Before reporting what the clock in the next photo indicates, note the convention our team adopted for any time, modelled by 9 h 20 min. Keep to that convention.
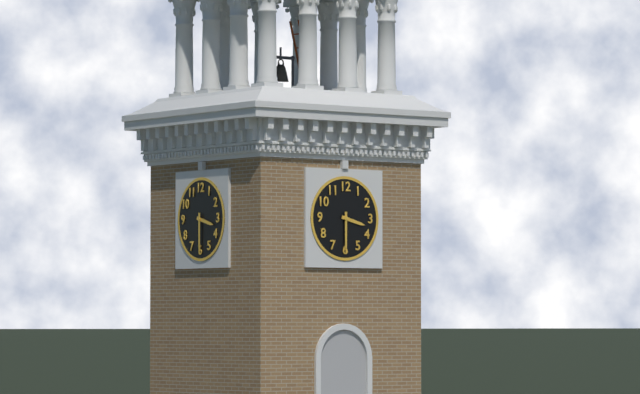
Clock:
3 h 30 min
